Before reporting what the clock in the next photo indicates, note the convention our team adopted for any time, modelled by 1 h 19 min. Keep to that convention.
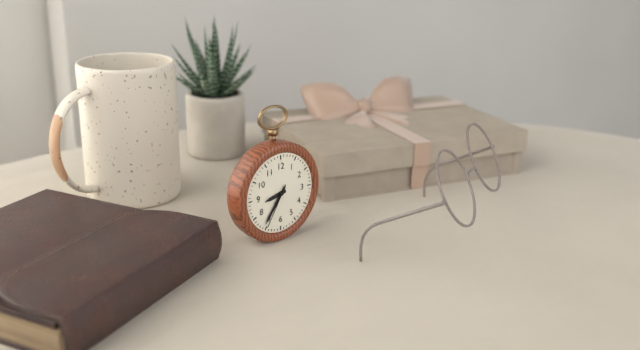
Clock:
8 h 36 min
